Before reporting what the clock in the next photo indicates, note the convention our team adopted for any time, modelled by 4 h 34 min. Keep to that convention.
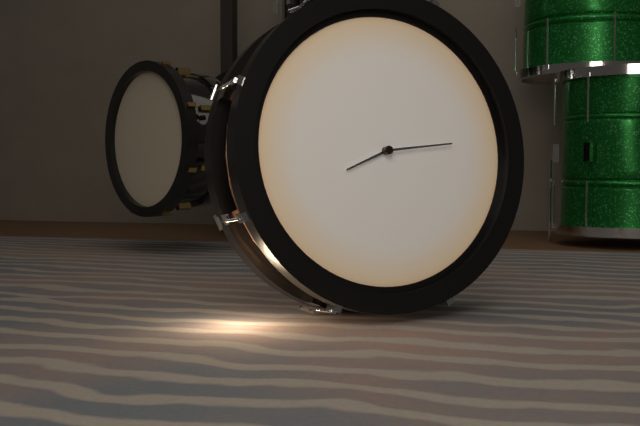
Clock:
8 h 14 min
